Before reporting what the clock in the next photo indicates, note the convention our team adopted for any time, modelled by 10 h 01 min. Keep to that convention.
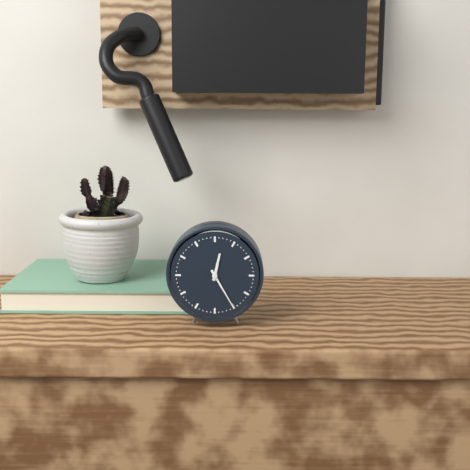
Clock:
12 h 25 min
